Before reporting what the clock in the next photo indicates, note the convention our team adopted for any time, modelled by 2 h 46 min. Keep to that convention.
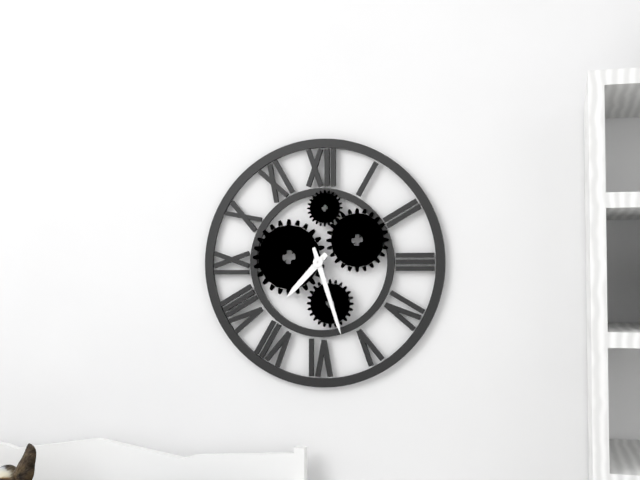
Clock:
7 h 27 min
